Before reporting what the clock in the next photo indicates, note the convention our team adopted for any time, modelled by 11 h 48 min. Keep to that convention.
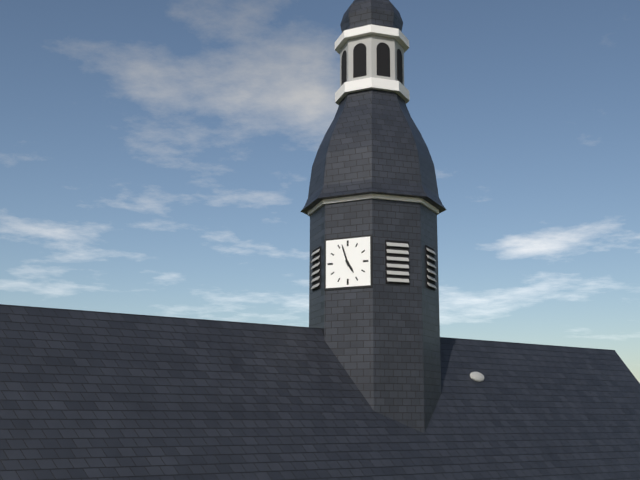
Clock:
4 h 57 min
